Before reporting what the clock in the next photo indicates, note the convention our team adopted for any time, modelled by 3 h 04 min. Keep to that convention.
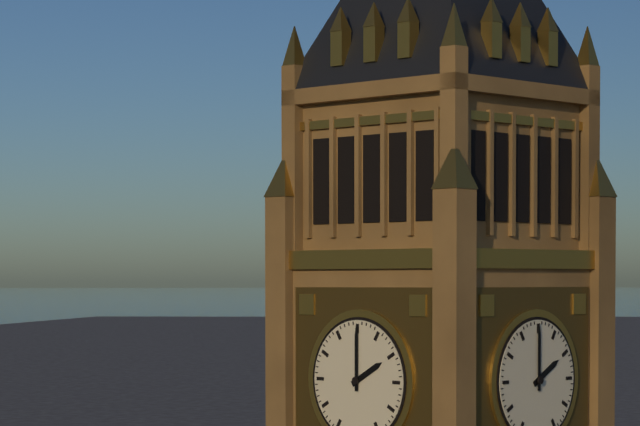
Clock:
2 h 00 min
